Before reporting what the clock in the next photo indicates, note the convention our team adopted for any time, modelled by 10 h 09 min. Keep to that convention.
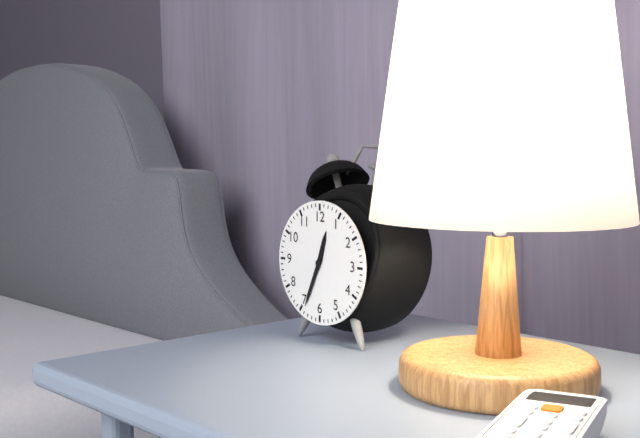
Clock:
12 h 34 min
